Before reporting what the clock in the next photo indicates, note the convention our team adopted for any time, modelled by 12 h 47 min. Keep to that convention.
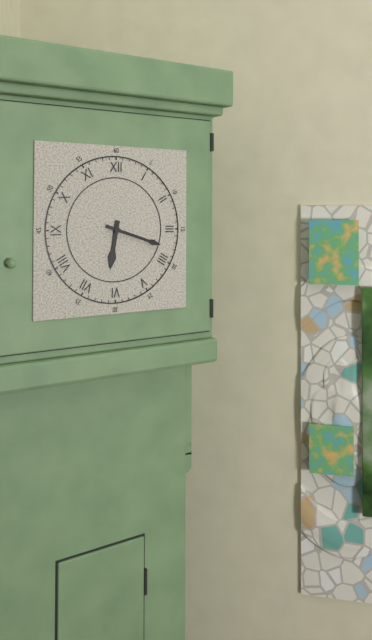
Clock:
6 h 18 min
